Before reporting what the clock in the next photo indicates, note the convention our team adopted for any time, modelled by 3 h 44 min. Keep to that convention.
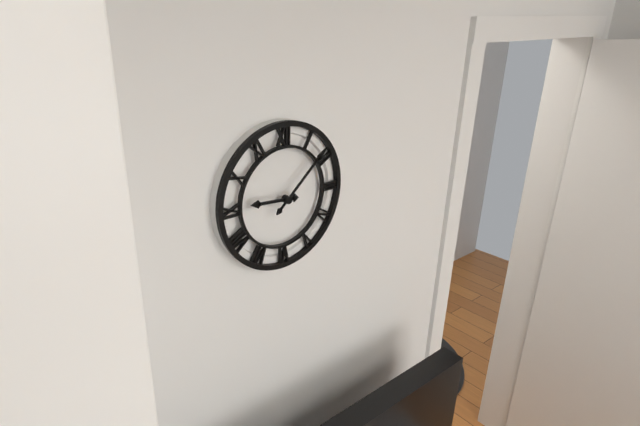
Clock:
9 h 08 min
